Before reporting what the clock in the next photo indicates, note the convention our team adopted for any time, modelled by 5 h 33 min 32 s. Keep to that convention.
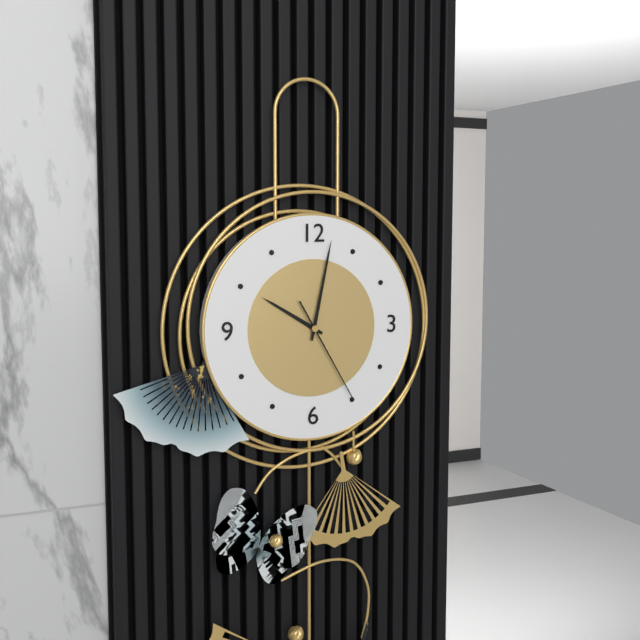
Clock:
10 h 02 min 25 s
